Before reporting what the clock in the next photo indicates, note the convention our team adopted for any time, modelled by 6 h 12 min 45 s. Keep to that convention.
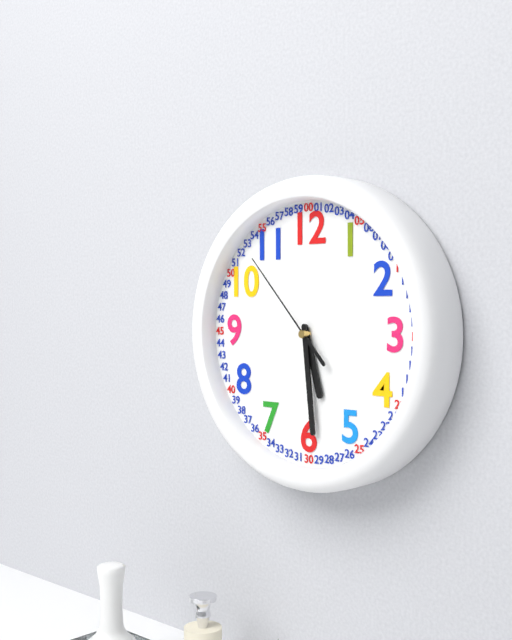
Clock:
5 h 29 min 53 s
